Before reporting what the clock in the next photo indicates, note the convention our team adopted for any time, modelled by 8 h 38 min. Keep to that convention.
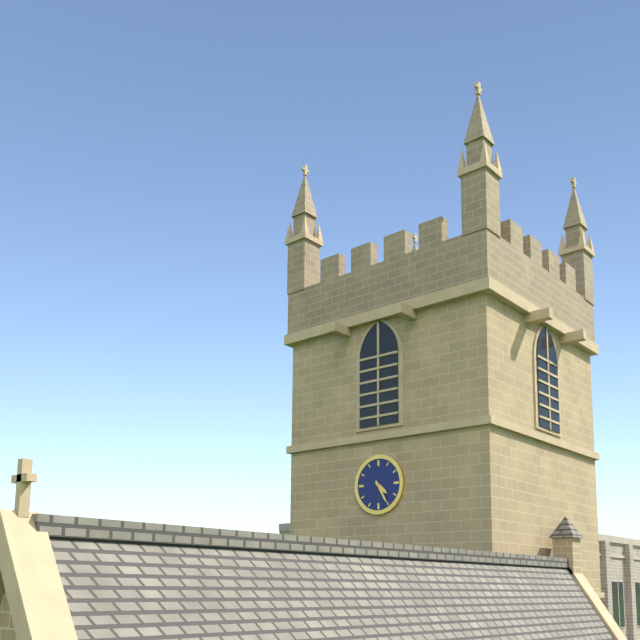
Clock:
4 h 25 min
